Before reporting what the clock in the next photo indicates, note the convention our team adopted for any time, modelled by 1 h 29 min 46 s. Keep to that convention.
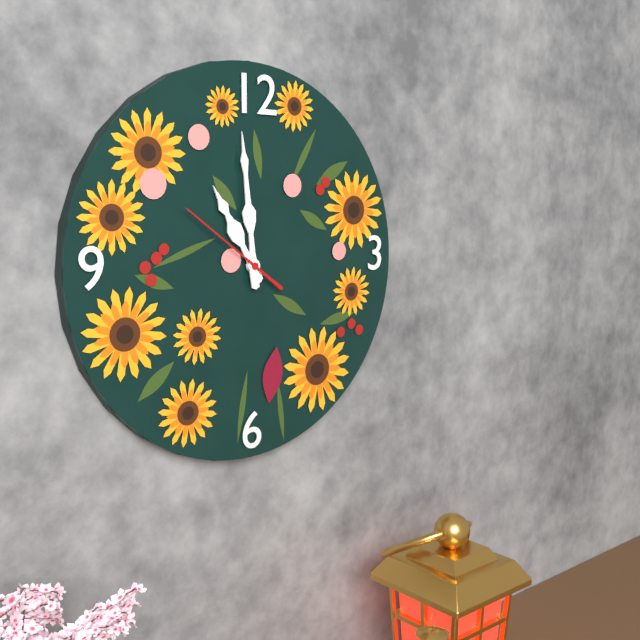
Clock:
10 h 59 min 51 s
